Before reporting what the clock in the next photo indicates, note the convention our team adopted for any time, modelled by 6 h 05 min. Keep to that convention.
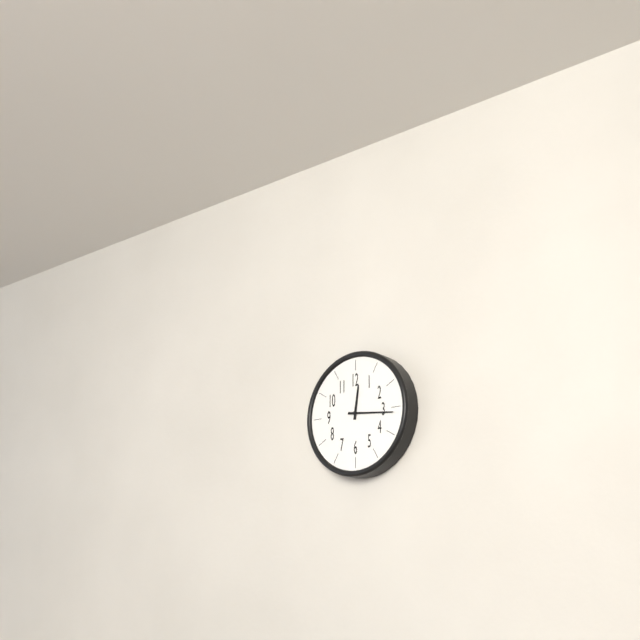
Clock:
12 h 16 min
